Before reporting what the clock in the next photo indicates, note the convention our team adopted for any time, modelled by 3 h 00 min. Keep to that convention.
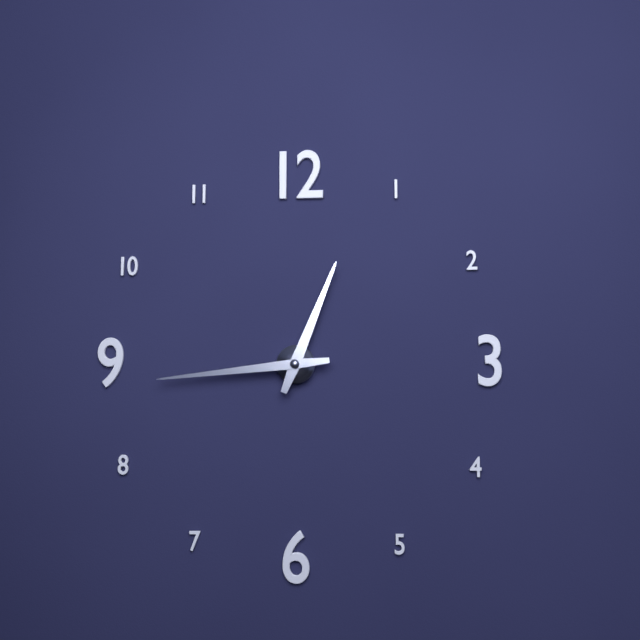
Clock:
12 h 44 min
